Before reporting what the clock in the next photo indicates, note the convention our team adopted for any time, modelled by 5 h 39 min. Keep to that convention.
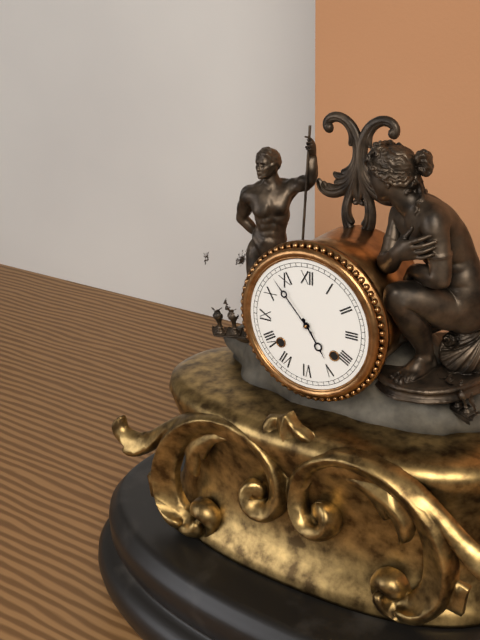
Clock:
4 h 53 min
